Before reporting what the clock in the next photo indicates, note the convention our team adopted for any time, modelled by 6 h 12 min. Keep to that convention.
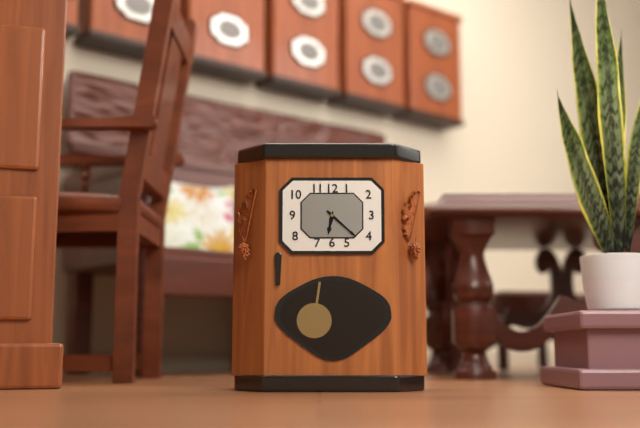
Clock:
6 h 22 min
